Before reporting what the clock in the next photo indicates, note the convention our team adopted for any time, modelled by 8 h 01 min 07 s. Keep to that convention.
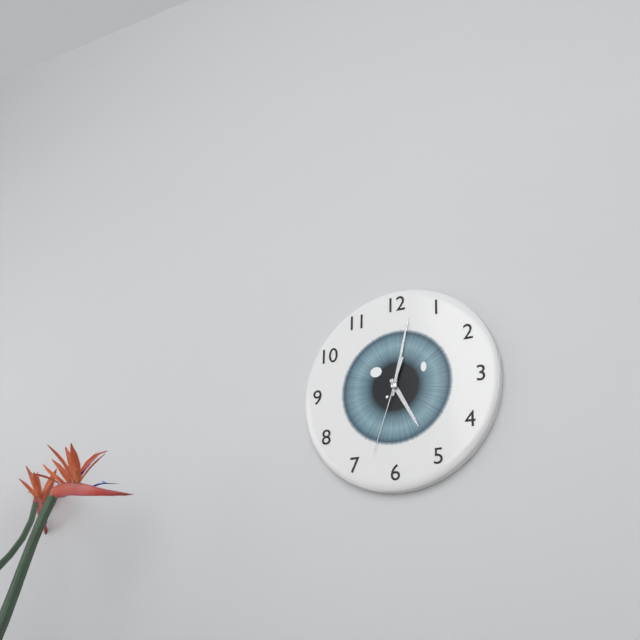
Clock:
5 h 02 min 33 s
